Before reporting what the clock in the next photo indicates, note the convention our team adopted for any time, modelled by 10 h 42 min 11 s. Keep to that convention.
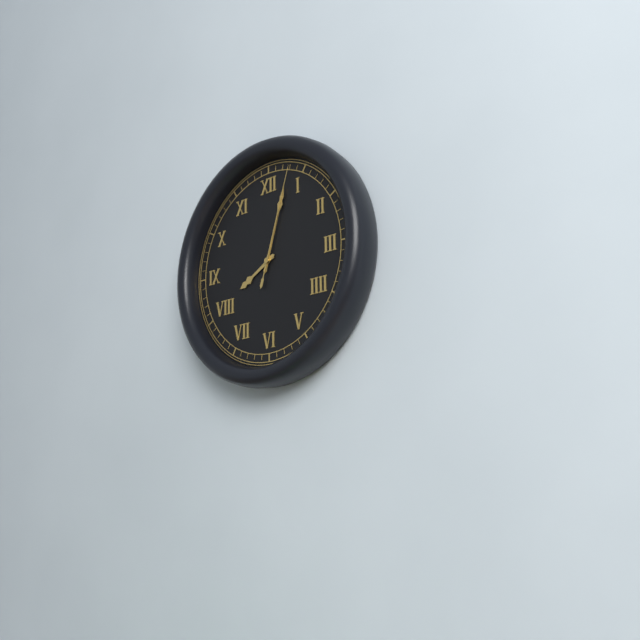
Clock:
8 h 03 min 03 s
